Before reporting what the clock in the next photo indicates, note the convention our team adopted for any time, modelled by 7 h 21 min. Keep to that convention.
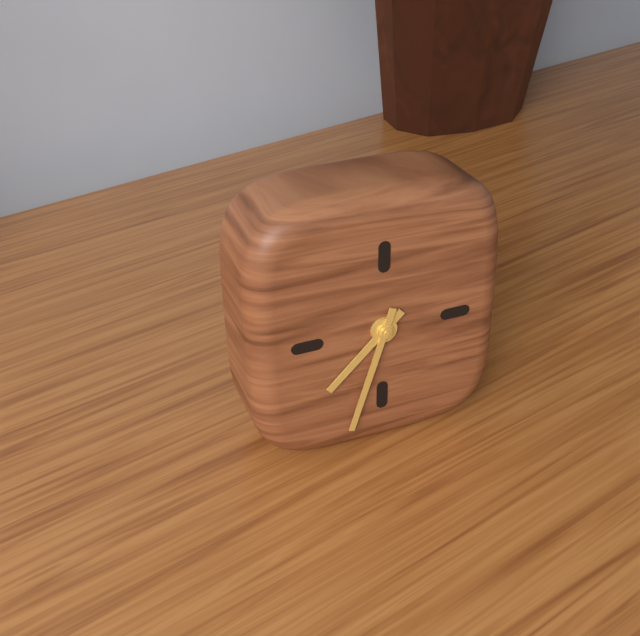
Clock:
7 h 33 min
